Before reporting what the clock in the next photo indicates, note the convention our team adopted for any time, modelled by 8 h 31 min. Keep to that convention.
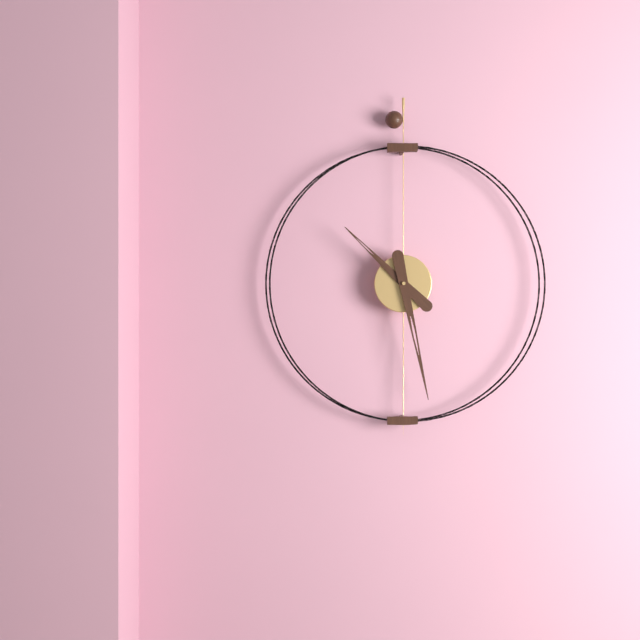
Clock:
10 h 28 min
